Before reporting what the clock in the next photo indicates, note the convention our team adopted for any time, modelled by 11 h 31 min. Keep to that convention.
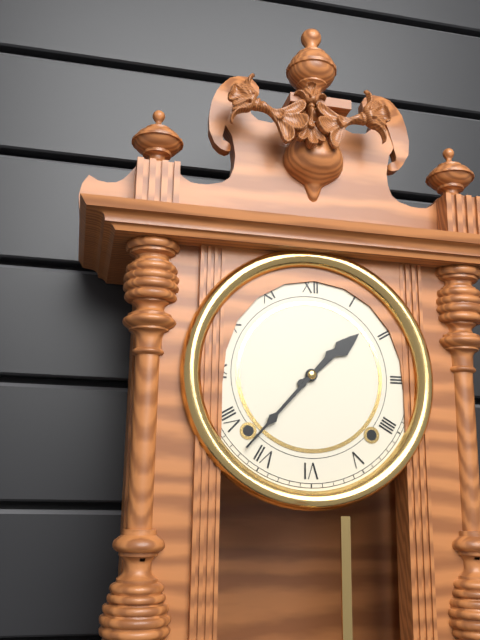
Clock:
1 h 37 min
